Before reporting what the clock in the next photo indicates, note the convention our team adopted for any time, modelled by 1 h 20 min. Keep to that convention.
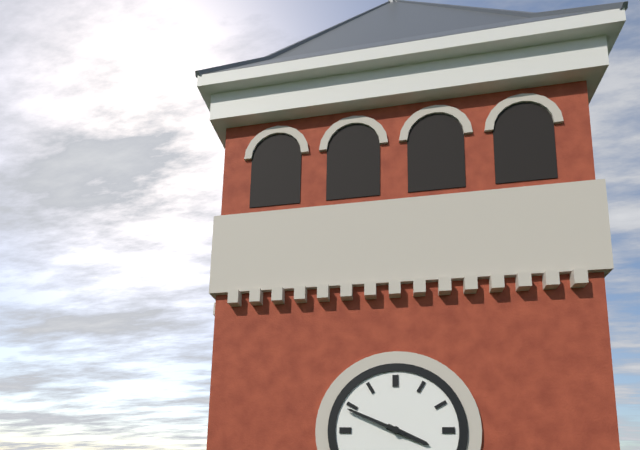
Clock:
3 h 49 min
